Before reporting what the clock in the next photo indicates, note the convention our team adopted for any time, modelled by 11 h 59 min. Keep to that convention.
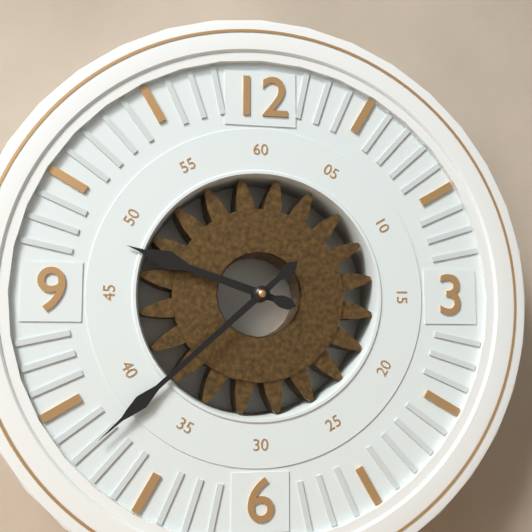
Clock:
9 h 38 min
